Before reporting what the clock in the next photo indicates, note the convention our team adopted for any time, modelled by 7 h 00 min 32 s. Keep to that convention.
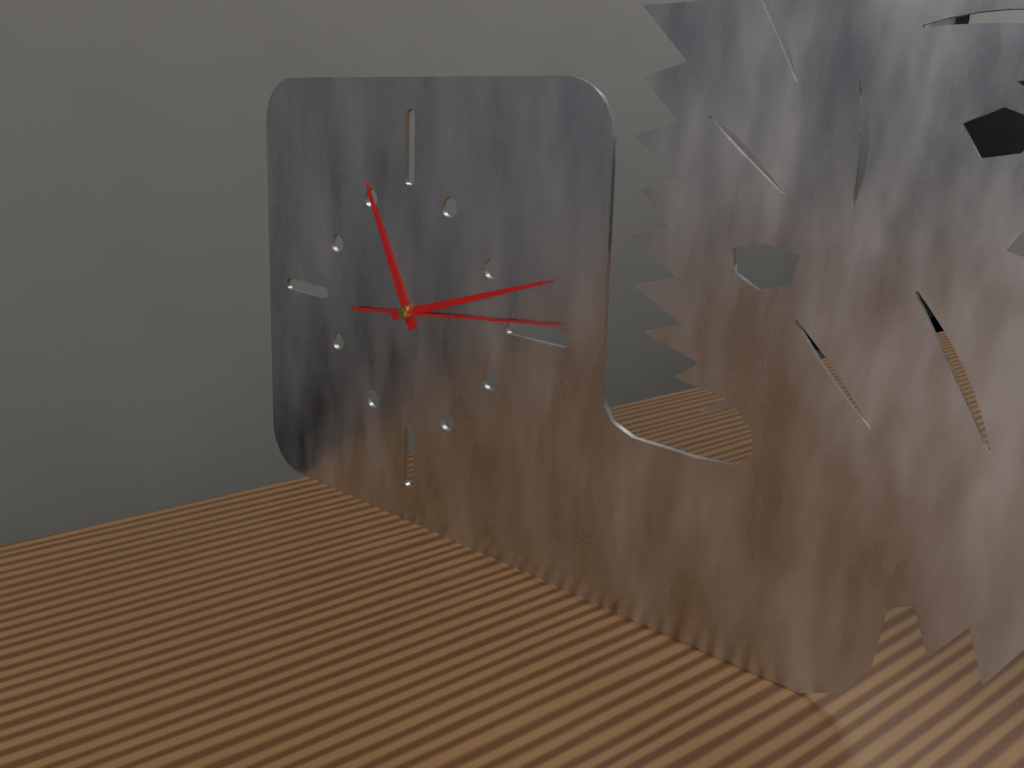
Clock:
11 h 12 min 14 s
